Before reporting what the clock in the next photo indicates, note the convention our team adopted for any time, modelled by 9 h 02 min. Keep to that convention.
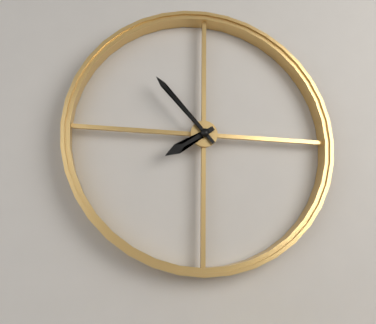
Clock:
7 h 53 min
